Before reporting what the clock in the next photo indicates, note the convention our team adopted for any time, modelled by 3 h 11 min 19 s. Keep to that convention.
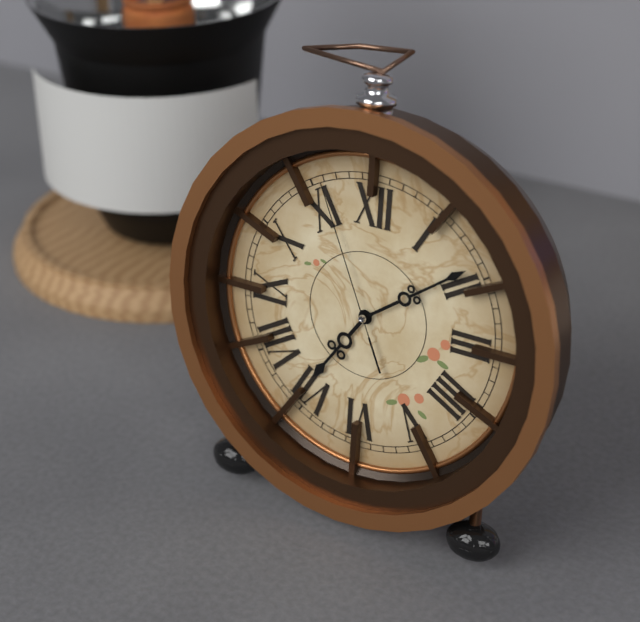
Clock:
7 h 09 min 56 s
